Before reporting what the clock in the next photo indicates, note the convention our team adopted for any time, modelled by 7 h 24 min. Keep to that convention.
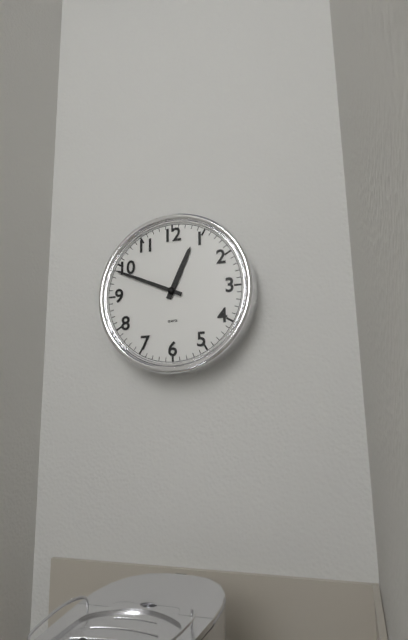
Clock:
12 h 49 min
